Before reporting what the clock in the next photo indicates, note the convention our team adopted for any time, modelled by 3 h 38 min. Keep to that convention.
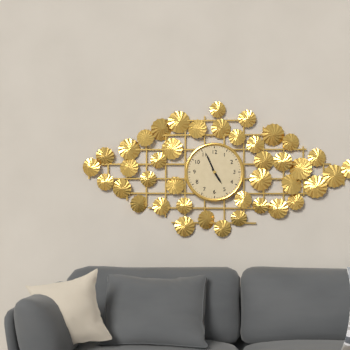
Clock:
4 h 56 min
